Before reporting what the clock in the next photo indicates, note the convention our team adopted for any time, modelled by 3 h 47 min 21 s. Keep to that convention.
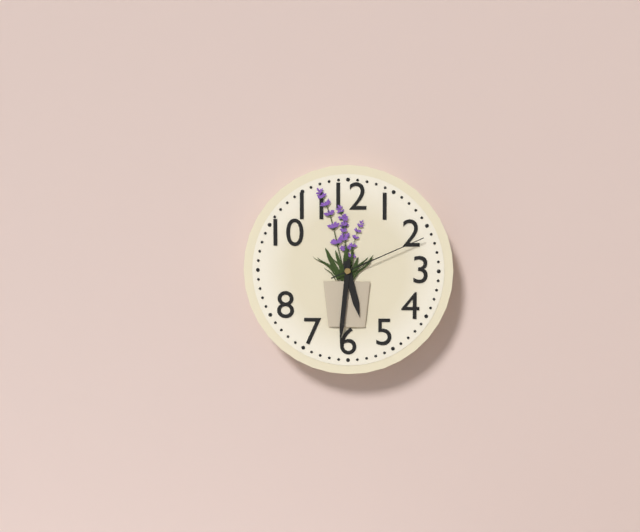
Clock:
5 h 31 min 11 s
